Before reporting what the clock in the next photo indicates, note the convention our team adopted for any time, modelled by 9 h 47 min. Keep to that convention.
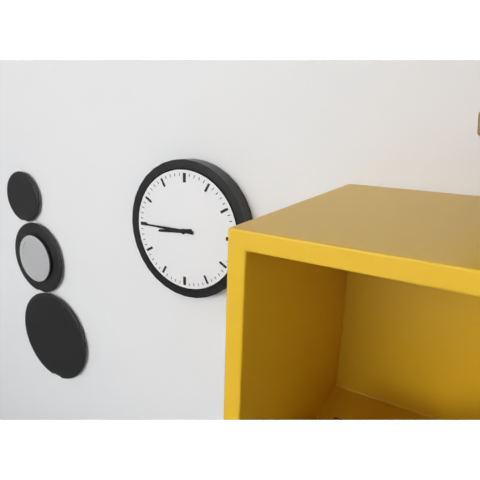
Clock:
8 h 45 min
